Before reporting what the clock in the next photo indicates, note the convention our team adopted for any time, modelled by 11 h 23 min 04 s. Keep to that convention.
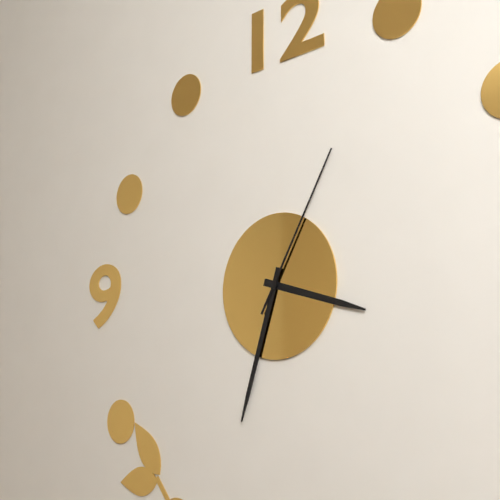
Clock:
3 h 33 min 05 s
